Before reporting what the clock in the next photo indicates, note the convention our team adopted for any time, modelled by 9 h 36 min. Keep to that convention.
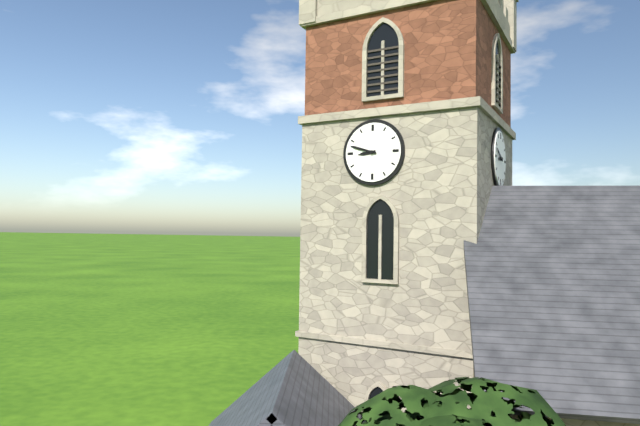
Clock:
8 h 48 min
